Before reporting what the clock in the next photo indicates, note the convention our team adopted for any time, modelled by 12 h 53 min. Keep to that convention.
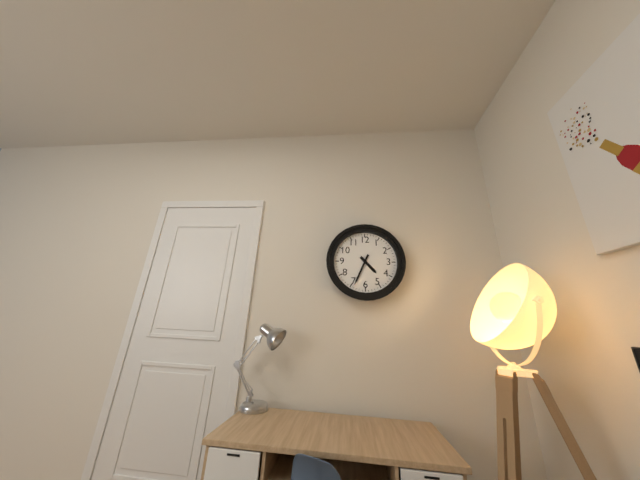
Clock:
4 h 34 min
